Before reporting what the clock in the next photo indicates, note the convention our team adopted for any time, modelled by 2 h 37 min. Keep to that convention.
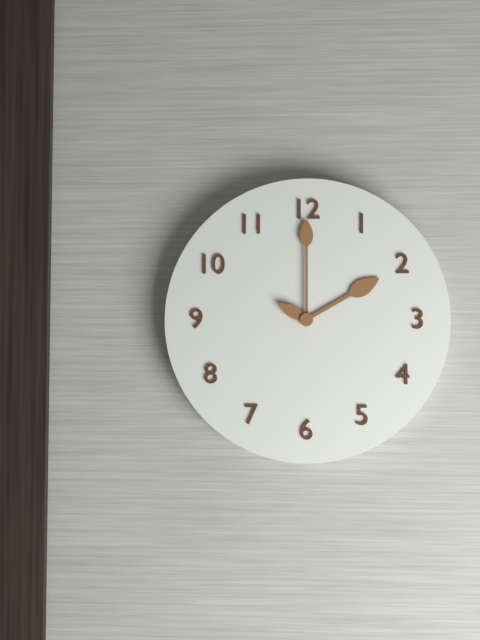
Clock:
2 h 00 min
